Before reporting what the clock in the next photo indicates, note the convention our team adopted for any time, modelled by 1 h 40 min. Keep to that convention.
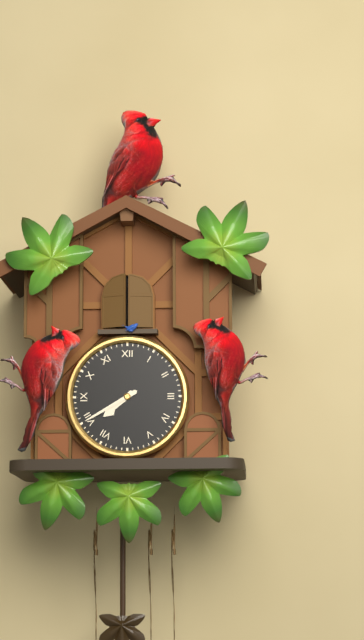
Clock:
7 h 40 min
